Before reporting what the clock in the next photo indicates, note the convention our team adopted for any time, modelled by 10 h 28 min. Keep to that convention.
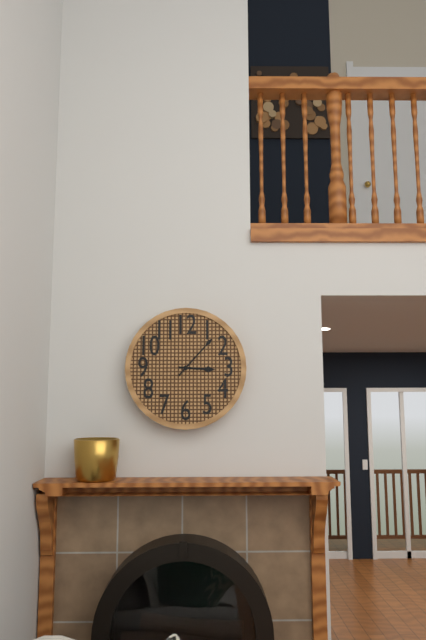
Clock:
3 h 07 min
